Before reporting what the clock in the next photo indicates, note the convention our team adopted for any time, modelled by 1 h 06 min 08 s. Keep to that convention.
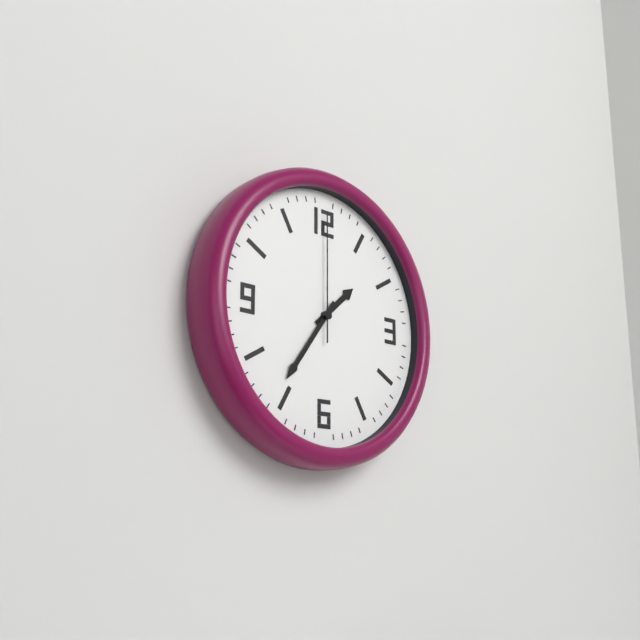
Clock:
1 h 36 min 00 s
